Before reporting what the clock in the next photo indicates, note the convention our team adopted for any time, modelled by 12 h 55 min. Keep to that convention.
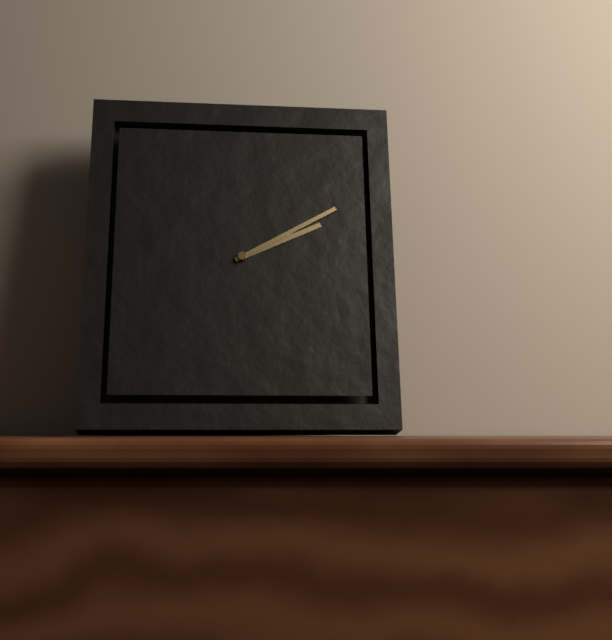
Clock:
2 h 10 min
